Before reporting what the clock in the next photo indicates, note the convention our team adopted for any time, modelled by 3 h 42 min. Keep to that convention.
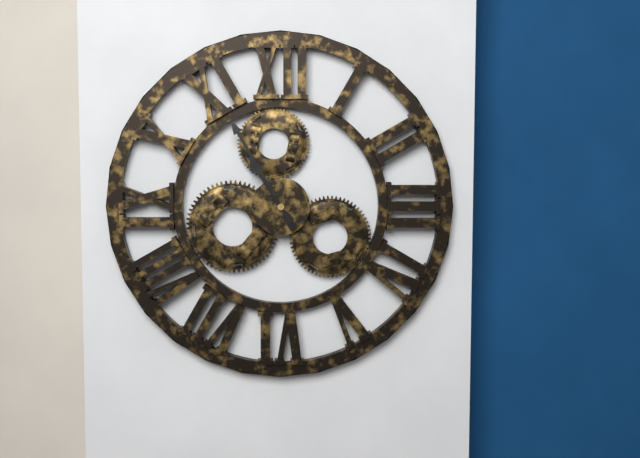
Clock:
10 h 55 min
